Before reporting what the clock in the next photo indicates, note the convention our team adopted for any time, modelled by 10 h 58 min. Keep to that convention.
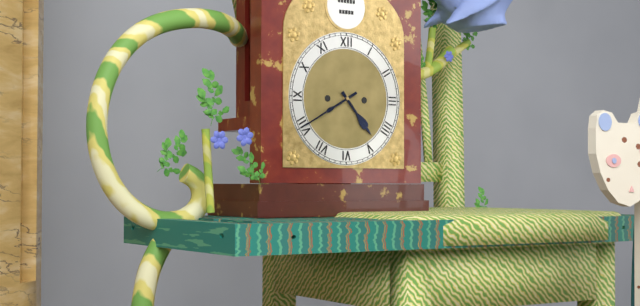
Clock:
4 h 40 min
